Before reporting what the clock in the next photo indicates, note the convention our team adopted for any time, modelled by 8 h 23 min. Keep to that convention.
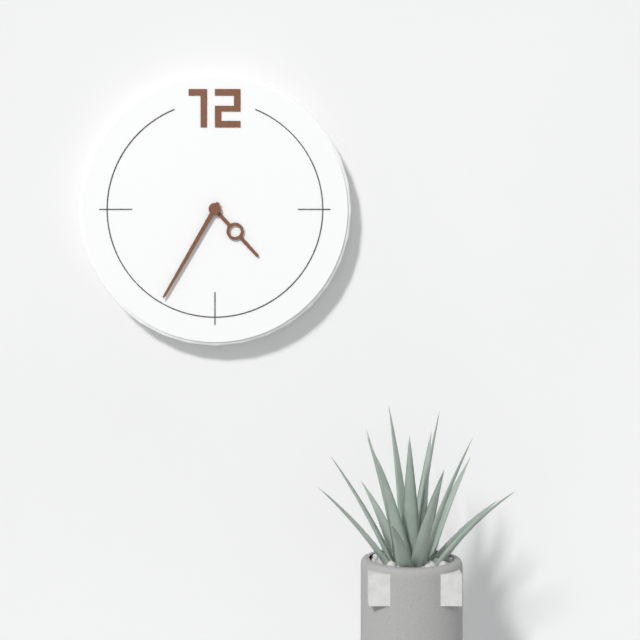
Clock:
4 h 35 min
